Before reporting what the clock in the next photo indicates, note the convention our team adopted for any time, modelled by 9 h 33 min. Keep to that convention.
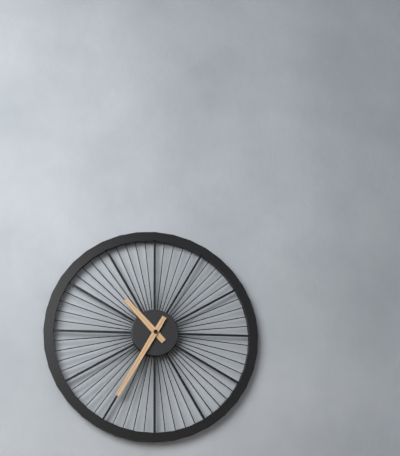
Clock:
10 h 35 min
